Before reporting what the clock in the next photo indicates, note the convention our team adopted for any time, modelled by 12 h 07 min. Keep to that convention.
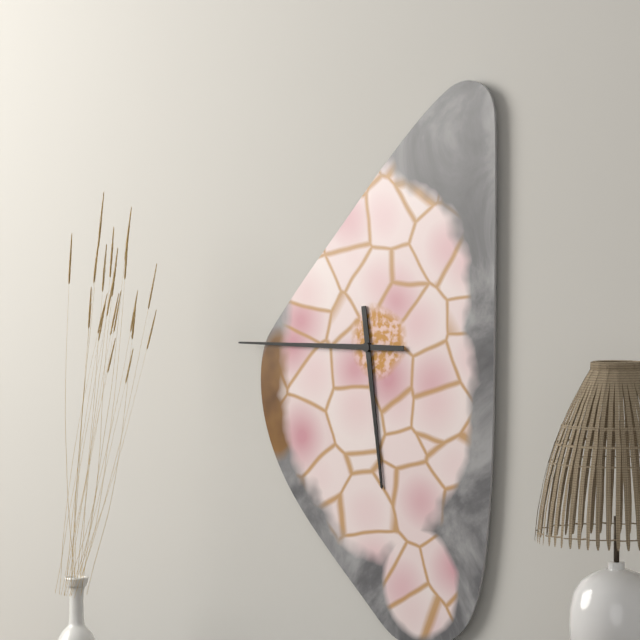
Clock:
5 h 45 min
